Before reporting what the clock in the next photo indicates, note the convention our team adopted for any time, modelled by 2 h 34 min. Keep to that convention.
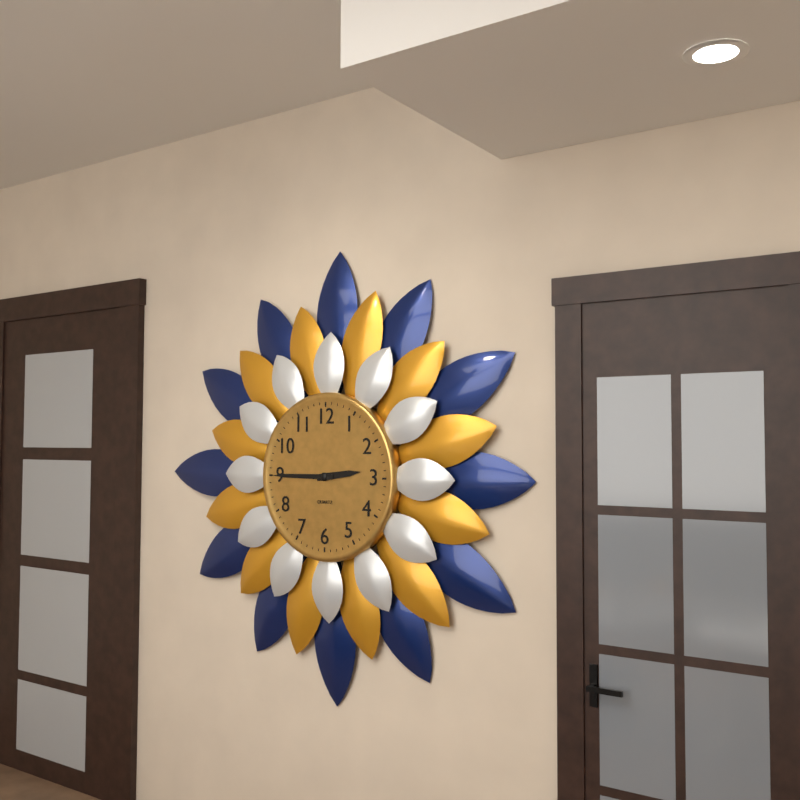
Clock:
2 h 45 min
